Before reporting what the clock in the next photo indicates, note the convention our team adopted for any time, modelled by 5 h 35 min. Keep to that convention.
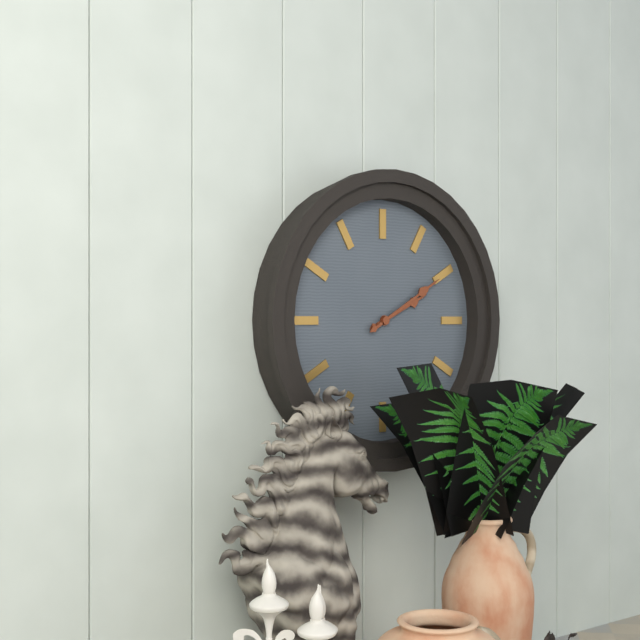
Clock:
2 h 10 min
